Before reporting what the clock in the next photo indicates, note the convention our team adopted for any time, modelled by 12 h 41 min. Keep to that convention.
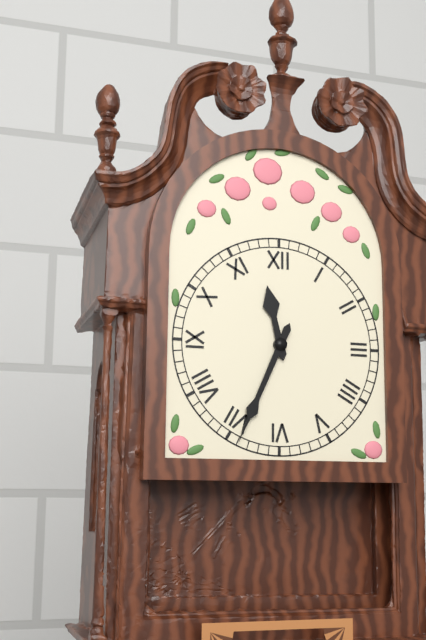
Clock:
11 h 34 min
